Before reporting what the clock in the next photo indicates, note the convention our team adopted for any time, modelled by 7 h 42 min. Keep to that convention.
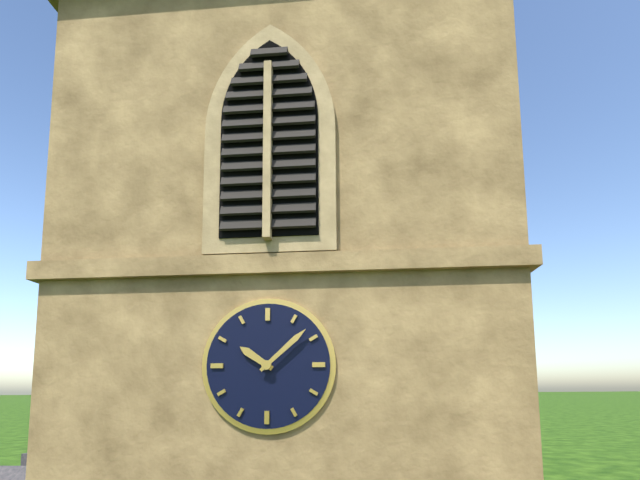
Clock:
10 h 08 min
